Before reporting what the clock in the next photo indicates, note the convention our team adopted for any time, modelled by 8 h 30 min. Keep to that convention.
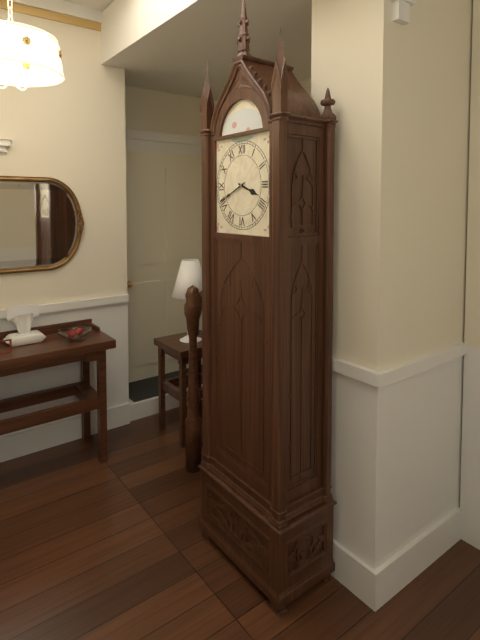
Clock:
3 h 41 min
